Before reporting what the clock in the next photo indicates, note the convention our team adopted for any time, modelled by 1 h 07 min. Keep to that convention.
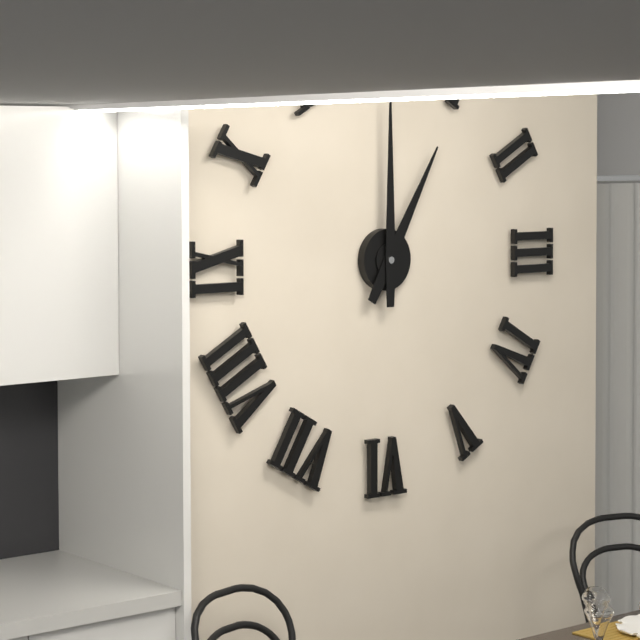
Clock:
1 h 00 min
